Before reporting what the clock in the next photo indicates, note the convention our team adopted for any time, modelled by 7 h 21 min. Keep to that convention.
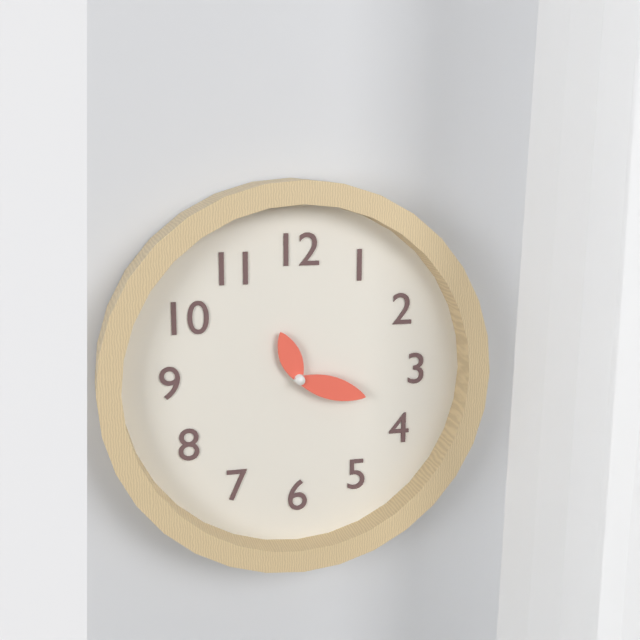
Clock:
11 h 18 min
